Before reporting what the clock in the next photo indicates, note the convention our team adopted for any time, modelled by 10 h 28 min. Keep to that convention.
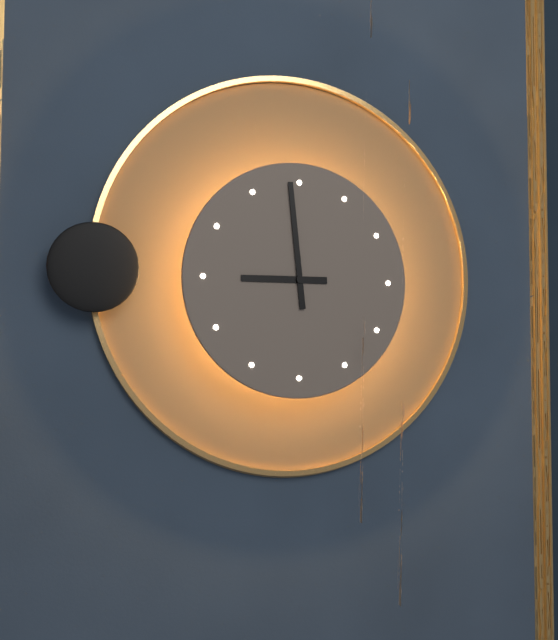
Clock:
8 h 59 min
